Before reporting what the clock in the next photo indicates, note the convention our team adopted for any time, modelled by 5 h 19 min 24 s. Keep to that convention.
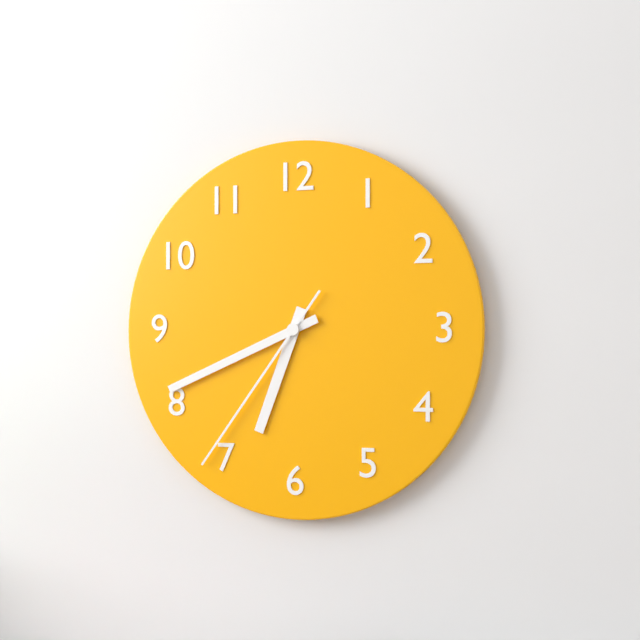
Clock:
6 h 41 min 36 s
